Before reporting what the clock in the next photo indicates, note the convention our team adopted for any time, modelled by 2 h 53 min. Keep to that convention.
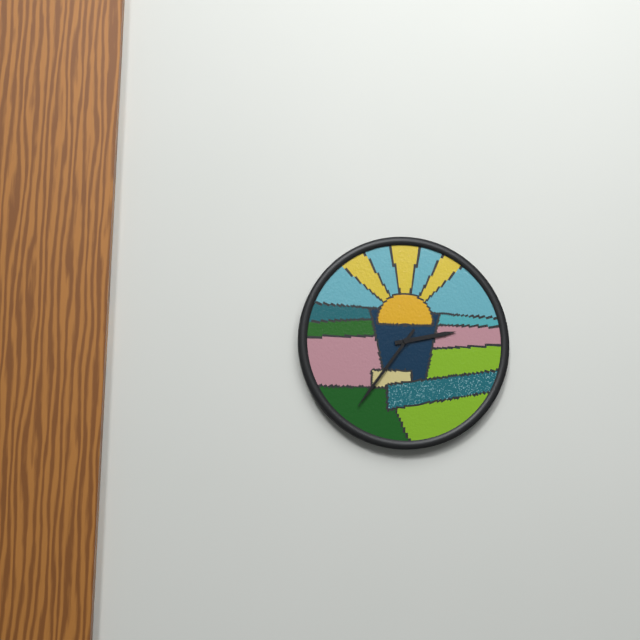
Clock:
2 h 36 min
